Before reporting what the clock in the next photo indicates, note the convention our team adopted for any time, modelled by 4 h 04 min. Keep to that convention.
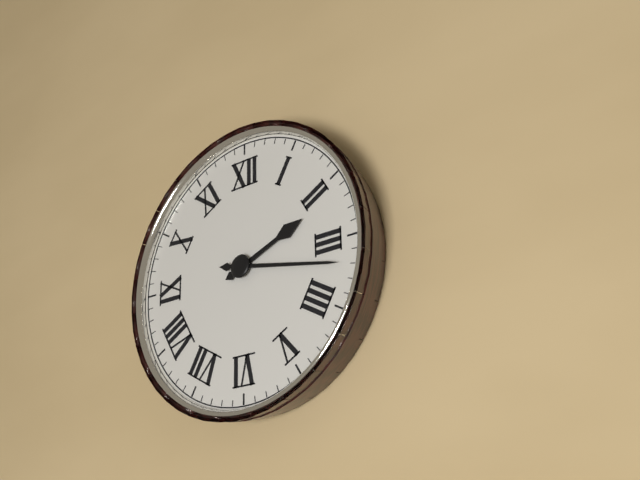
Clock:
2 h 17 min
